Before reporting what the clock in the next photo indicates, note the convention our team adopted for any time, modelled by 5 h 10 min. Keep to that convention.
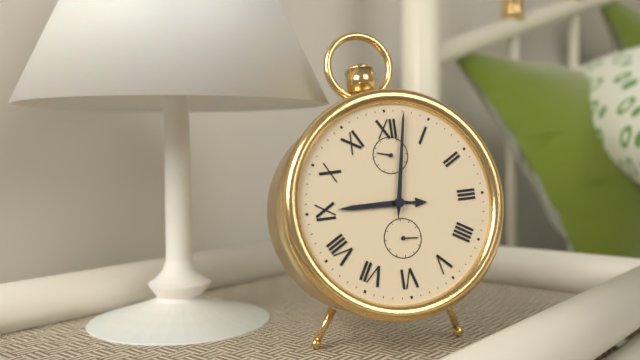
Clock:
9 h 02 min
